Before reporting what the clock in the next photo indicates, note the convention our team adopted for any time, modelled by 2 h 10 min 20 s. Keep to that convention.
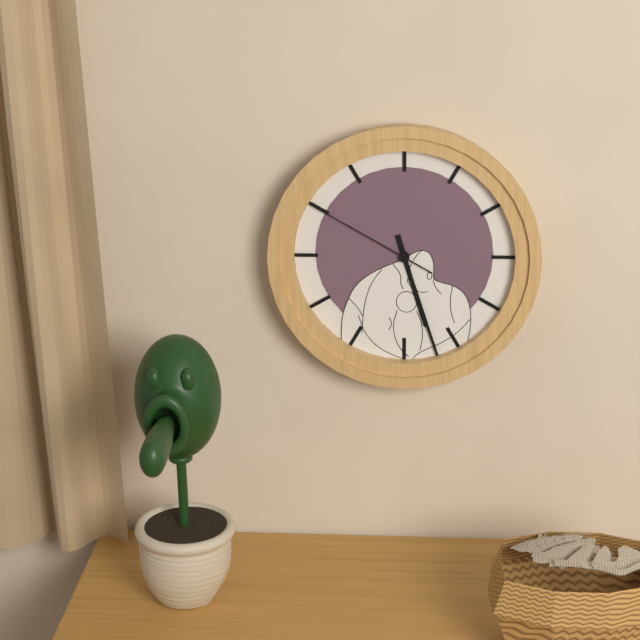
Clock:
5 h 27 min 50 s
